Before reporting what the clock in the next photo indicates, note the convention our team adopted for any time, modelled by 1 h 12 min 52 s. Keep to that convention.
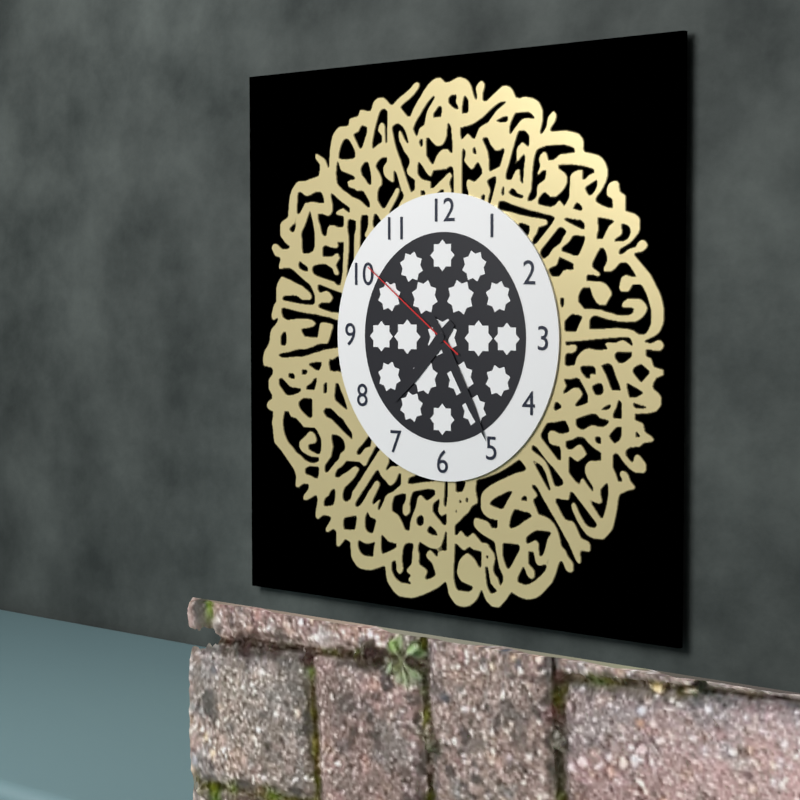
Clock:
7 h 25 min 51 s
